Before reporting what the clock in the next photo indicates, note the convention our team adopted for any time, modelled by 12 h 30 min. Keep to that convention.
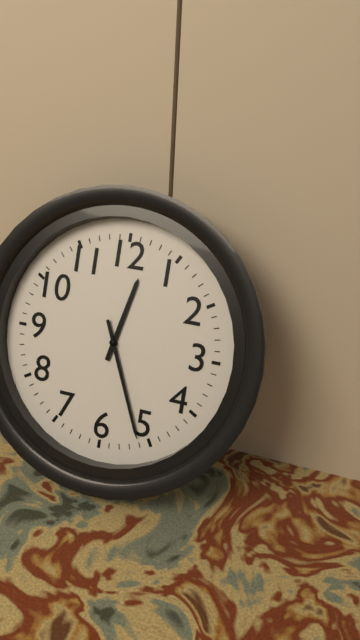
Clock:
12 h 26 min
